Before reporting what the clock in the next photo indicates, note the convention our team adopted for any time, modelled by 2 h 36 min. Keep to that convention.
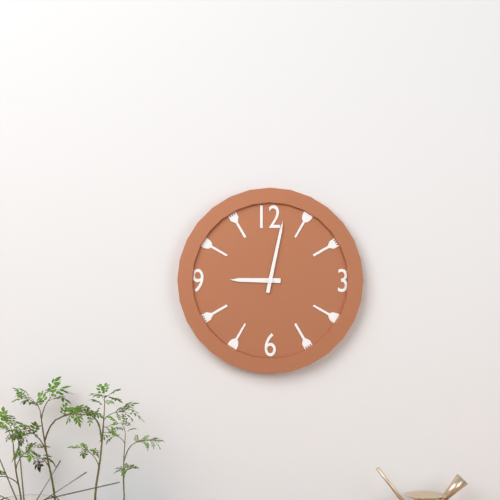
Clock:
9 h 02 min
